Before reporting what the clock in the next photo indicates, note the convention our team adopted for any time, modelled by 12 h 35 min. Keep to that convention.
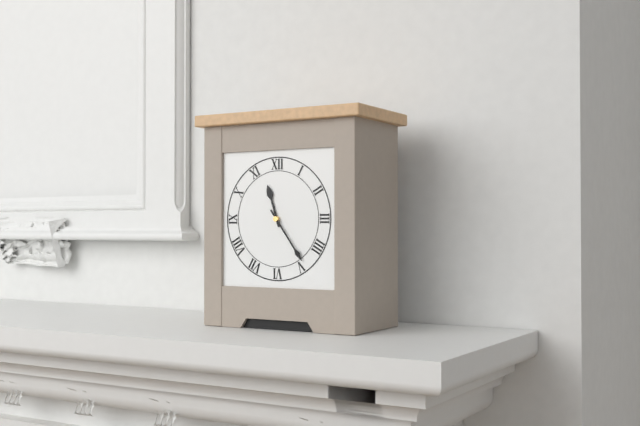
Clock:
11 h 24 min
